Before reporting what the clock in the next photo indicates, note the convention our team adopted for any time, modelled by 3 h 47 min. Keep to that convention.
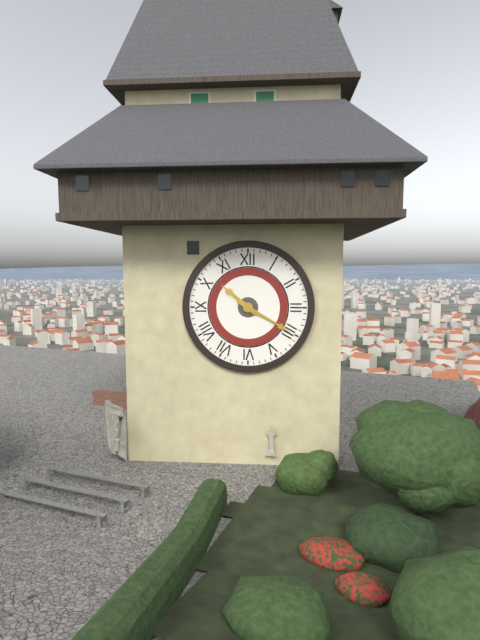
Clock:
10 h 20 min
